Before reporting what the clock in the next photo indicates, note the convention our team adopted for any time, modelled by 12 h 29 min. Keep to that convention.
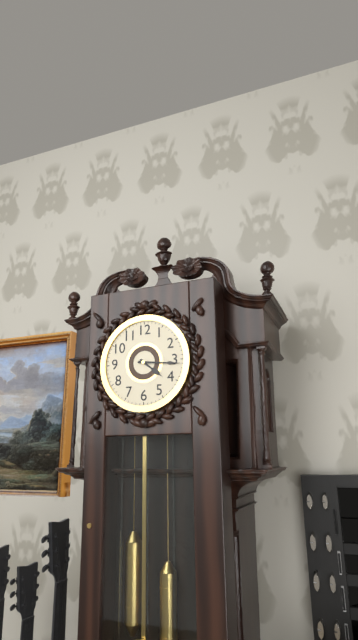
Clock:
4 h 16 min
